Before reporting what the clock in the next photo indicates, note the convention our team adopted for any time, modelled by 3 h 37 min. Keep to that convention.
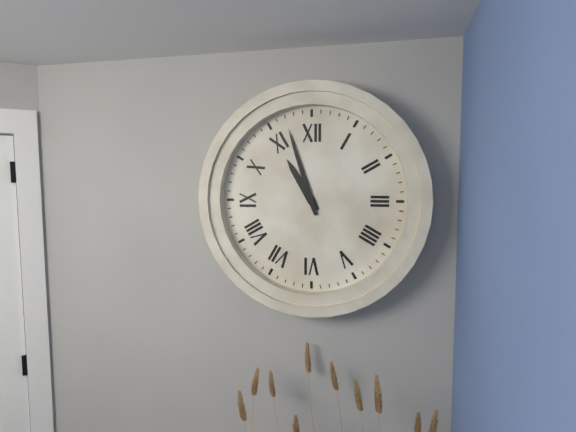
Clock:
10 h 57 min
